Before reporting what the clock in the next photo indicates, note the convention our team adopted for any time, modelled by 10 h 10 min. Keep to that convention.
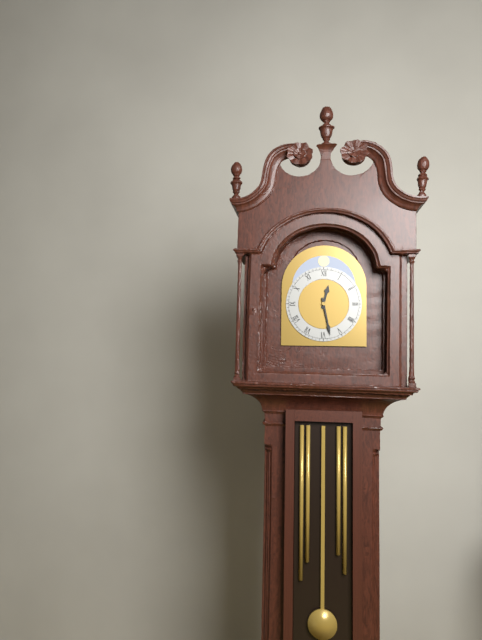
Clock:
12 h 28 min
